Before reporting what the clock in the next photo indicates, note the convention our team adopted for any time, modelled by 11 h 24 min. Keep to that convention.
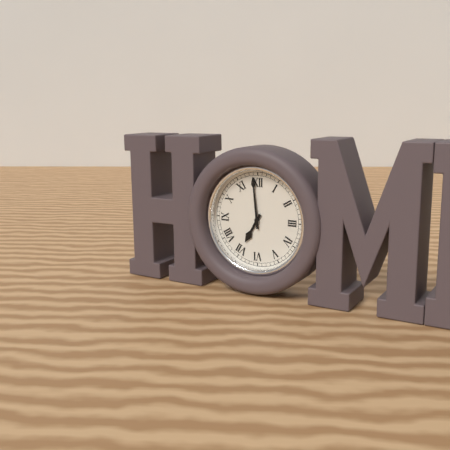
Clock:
6 h 59 min
